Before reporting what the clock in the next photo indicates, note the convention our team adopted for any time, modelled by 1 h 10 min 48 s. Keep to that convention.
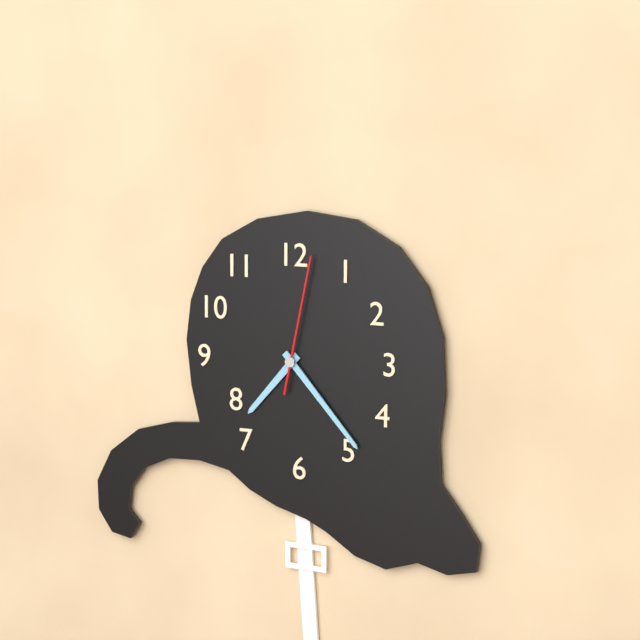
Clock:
7 h 23 min 02 s
